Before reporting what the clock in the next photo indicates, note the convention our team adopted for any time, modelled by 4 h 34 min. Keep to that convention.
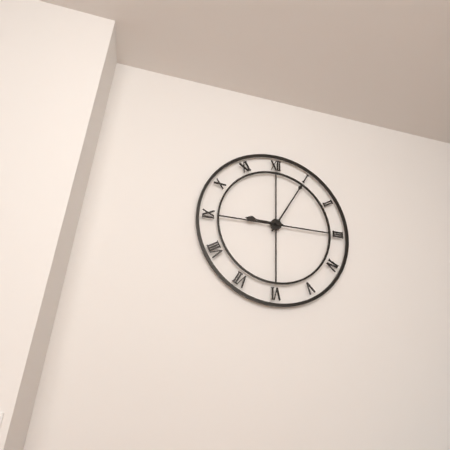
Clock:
9 h 05 min
